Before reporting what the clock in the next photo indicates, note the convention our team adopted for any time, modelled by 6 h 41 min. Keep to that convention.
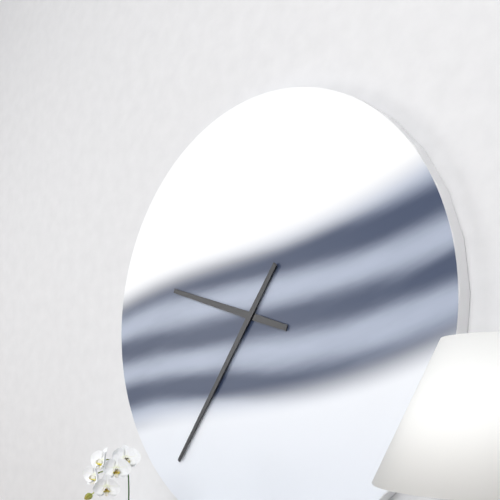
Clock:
9 h 36 min
